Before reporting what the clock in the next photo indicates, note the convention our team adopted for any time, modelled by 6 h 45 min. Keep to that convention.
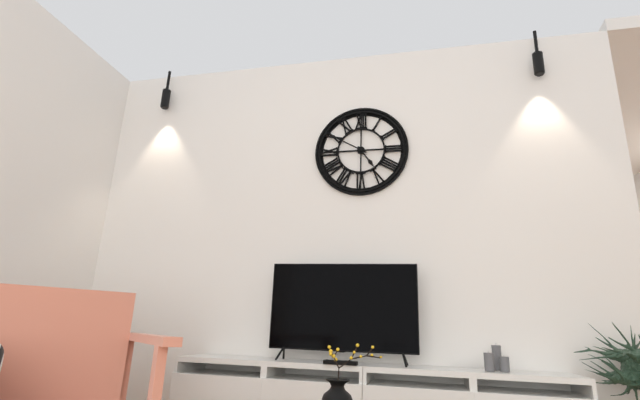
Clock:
4 h 50 min
